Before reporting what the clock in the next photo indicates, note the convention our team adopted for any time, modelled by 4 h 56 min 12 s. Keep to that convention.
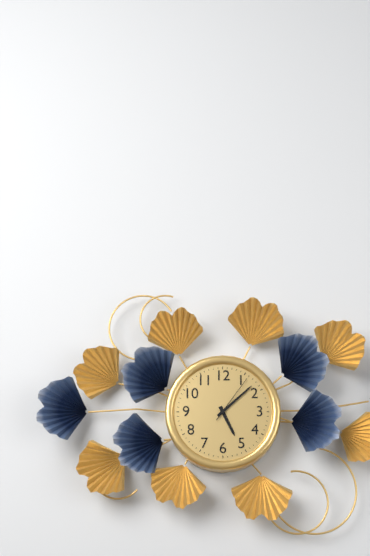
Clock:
5 h 08 min 06 s
